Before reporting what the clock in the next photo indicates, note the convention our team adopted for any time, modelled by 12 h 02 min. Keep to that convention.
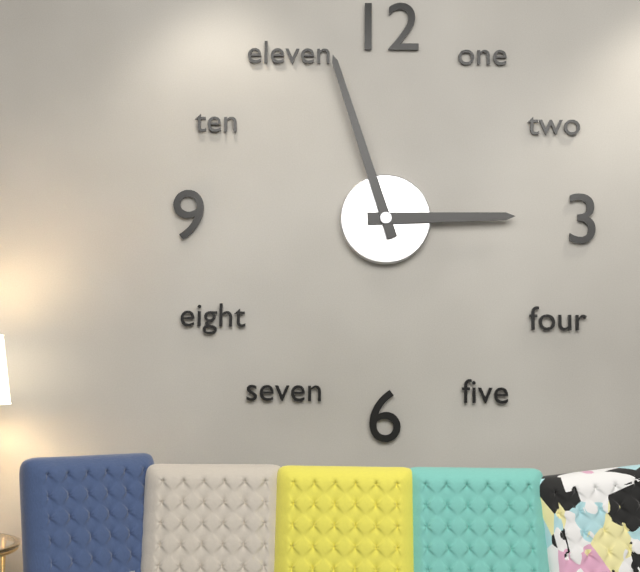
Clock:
2 h 57 min
